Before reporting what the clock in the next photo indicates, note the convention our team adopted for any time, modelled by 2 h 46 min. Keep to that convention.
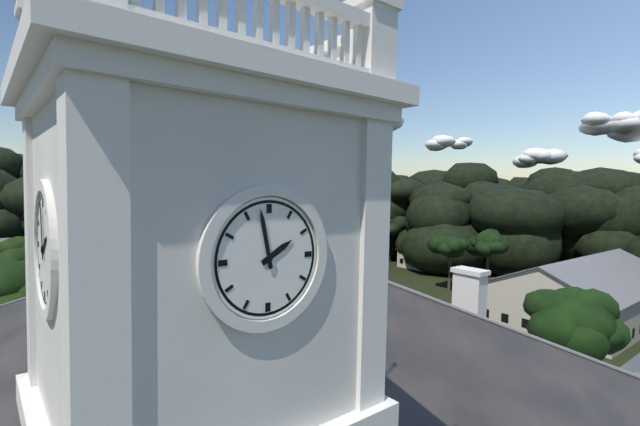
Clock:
1 h 58 min
